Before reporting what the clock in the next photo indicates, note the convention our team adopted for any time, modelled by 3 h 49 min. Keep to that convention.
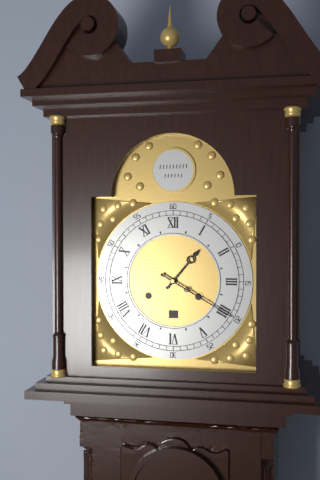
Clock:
1 h 20 min
